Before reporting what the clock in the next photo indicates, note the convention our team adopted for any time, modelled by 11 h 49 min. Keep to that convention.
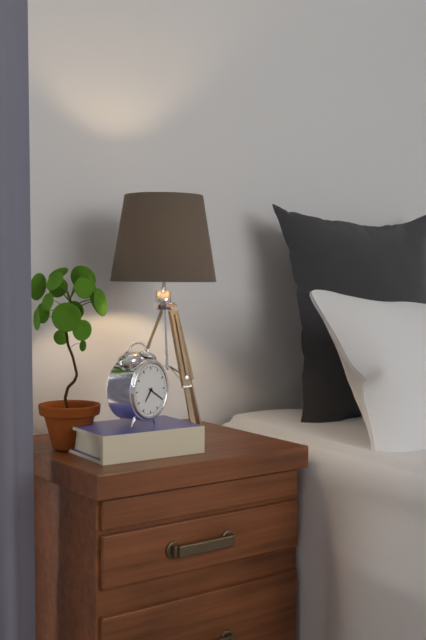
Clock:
7 h 20 min
